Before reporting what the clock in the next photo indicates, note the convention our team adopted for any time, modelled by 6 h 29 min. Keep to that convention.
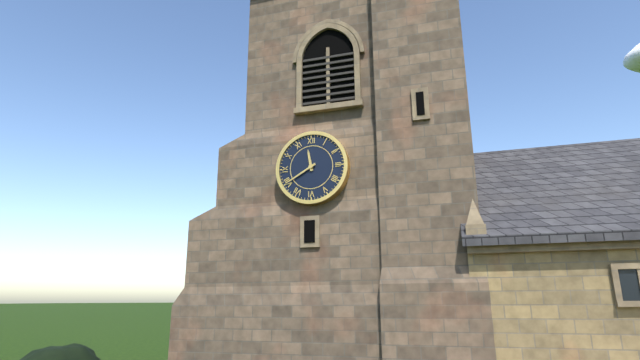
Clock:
11 h 40 min
